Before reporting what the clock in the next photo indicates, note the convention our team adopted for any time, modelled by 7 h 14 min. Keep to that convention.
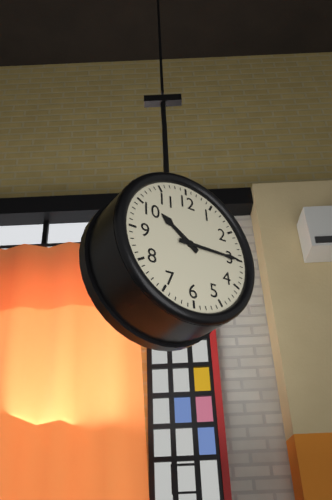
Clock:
10 h 15 min
